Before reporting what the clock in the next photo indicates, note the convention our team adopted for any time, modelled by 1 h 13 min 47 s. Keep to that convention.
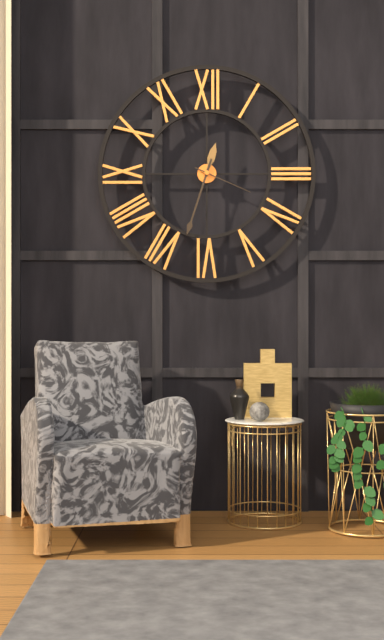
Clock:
12 h 33 min 19 s
